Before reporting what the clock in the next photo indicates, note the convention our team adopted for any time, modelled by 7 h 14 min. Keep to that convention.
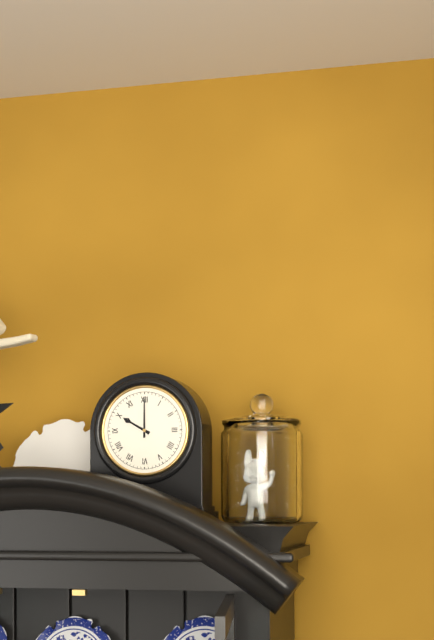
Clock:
10 h 00 min
